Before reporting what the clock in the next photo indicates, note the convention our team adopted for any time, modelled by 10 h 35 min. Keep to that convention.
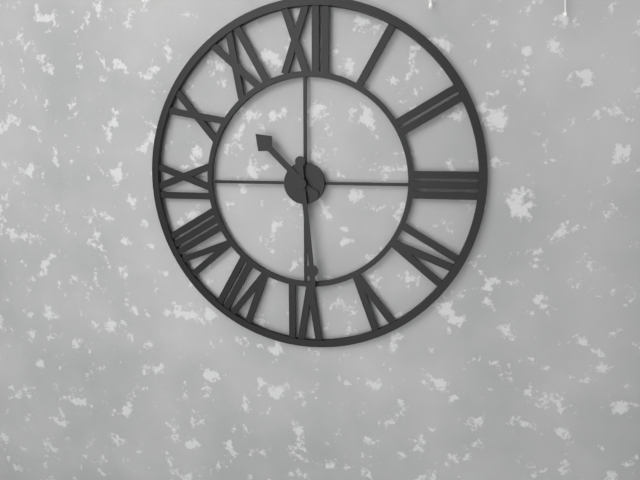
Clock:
10 h 29 min
